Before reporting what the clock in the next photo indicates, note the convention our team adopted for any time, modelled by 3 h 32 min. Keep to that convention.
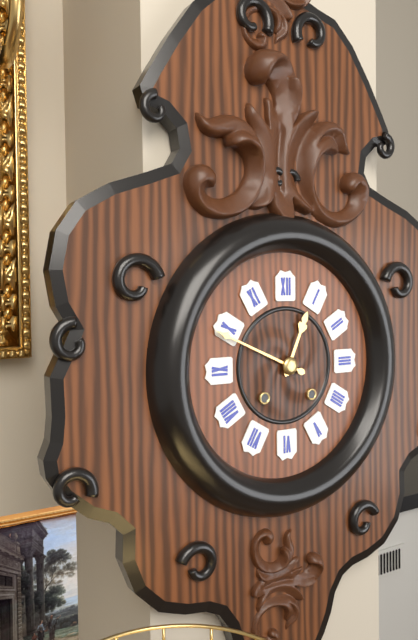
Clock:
12 h 49 min
